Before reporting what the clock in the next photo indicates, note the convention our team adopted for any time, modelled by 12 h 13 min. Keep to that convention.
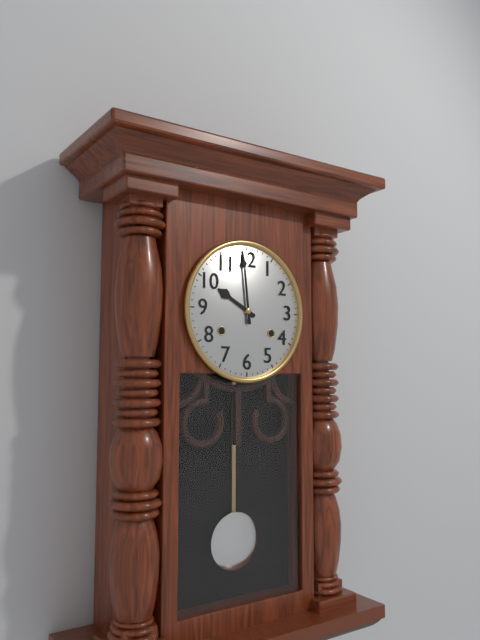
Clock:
9 h 59 min
